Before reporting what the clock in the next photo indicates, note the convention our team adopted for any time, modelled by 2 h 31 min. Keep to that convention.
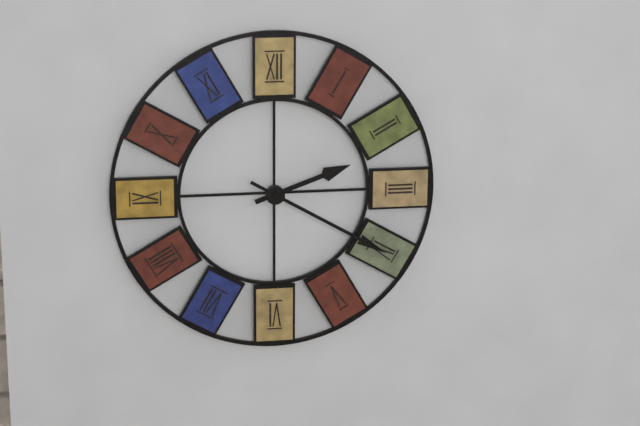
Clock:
2 h 20 min
